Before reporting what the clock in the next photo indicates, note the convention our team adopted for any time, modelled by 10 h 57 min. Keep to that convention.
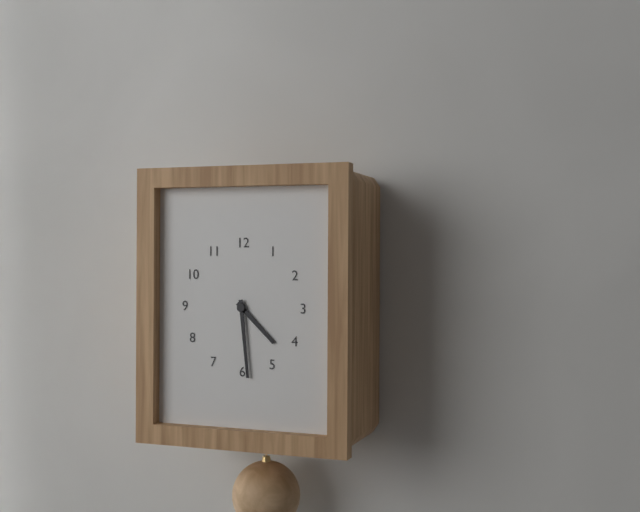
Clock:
4 h 29 min
